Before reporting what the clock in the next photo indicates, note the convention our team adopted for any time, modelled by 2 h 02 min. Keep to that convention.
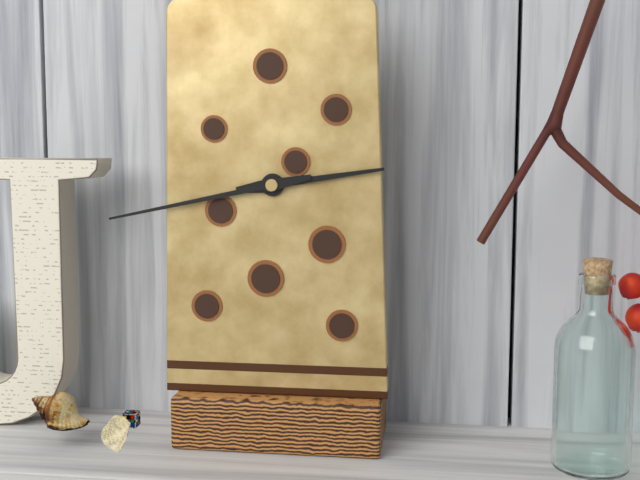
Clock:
2 h 43 min
